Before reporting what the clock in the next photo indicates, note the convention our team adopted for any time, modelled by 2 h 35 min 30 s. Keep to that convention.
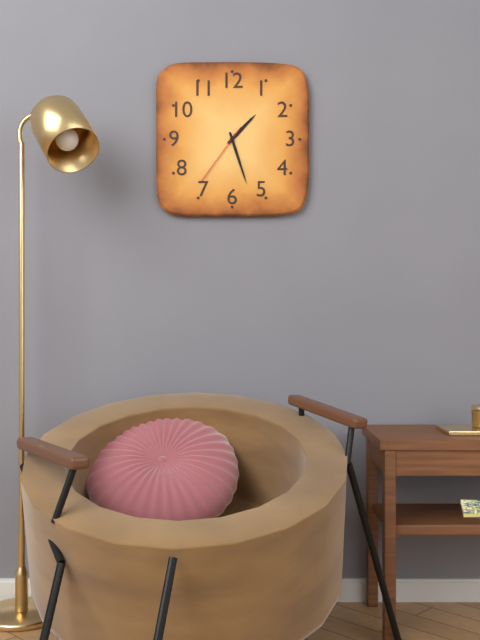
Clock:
1 h 27 min 36 s
